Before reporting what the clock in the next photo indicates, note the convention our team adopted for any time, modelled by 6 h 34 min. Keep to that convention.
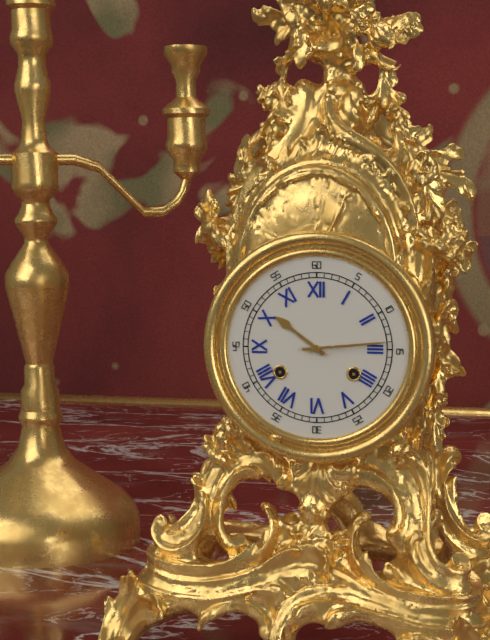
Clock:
10 h 14 min
